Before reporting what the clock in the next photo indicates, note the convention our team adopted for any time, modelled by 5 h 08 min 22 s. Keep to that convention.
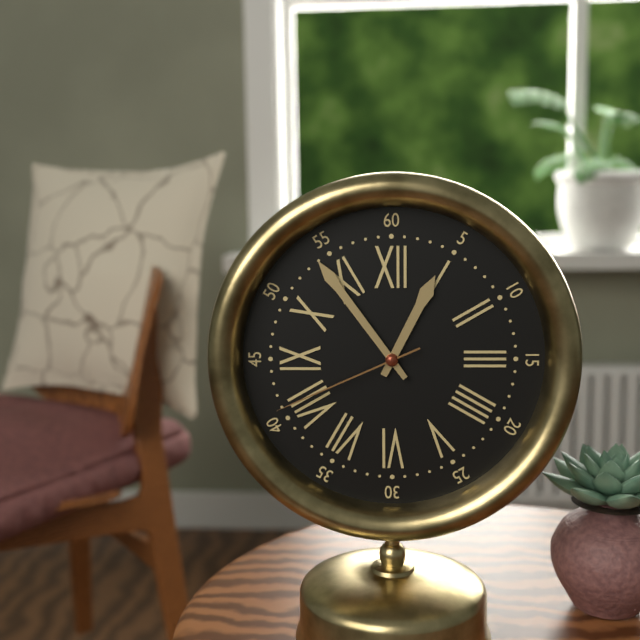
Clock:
12 h 54 min 41 s
